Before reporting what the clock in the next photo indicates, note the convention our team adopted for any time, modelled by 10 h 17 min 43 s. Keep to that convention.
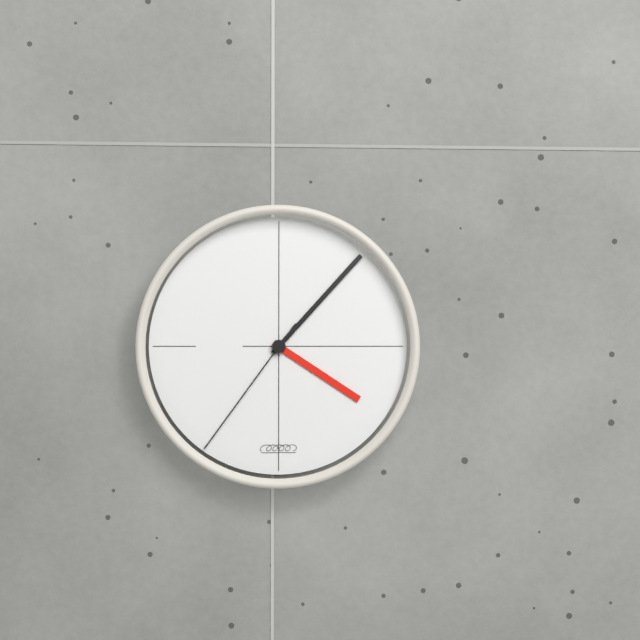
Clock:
4 h 07 min 36 s
